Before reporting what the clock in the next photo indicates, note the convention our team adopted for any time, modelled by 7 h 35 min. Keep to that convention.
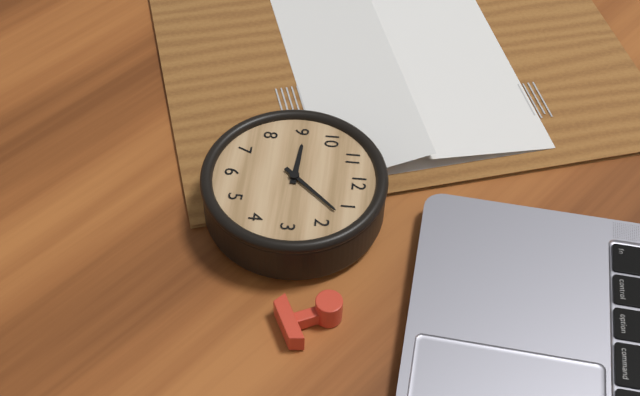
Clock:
9 h 07 min
